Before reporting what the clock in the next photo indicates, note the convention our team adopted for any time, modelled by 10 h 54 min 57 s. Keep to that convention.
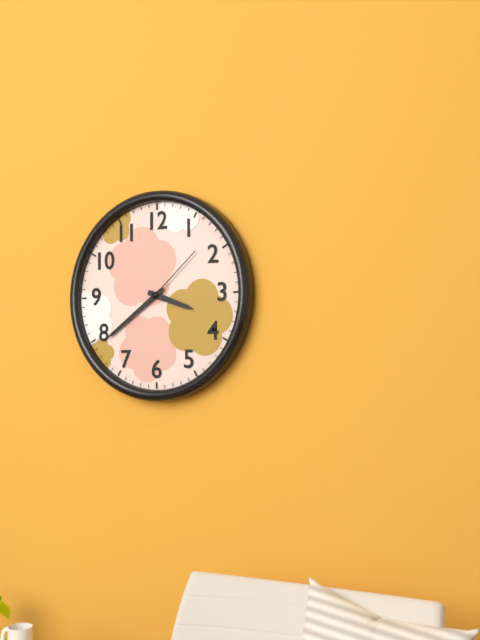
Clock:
3 h 39 min 08 s
